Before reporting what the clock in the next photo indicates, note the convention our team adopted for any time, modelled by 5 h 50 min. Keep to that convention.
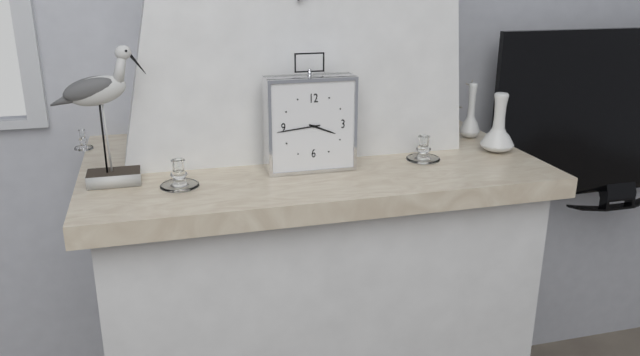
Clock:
3 h 44 min
